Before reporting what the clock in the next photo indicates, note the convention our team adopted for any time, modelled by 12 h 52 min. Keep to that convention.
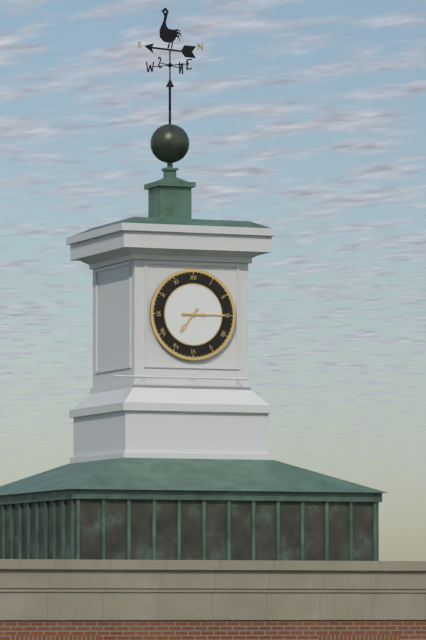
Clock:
7 h 15 min
